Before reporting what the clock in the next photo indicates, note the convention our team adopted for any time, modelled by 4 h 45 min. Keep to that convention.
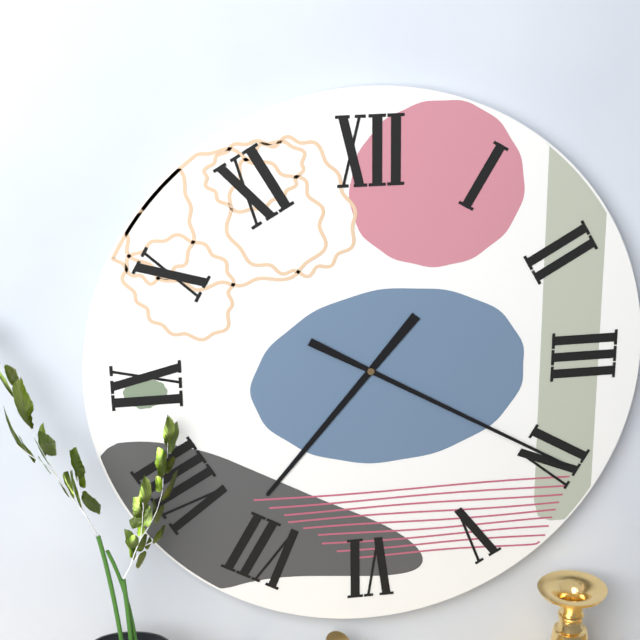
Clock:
7 h 20 min
